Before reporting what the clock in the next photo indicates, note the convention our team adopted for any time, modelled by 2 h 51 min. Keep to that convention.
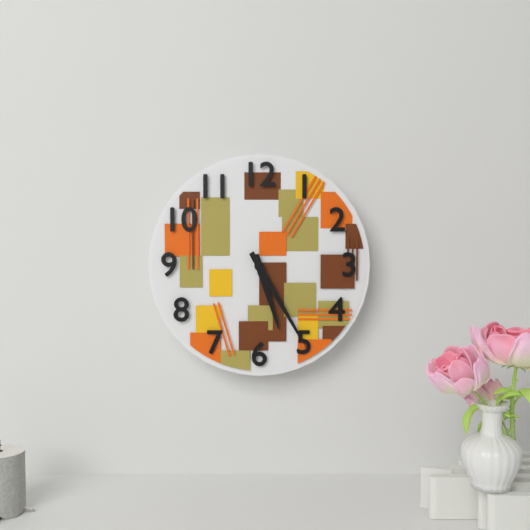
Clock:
5 h 25 min
